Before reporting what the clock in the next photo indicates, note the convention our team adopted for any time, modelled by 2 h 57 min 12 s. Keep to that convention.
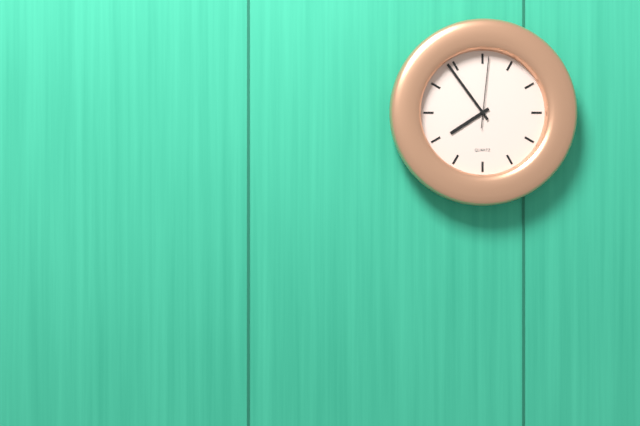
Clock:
7 h 54 min 01 s
